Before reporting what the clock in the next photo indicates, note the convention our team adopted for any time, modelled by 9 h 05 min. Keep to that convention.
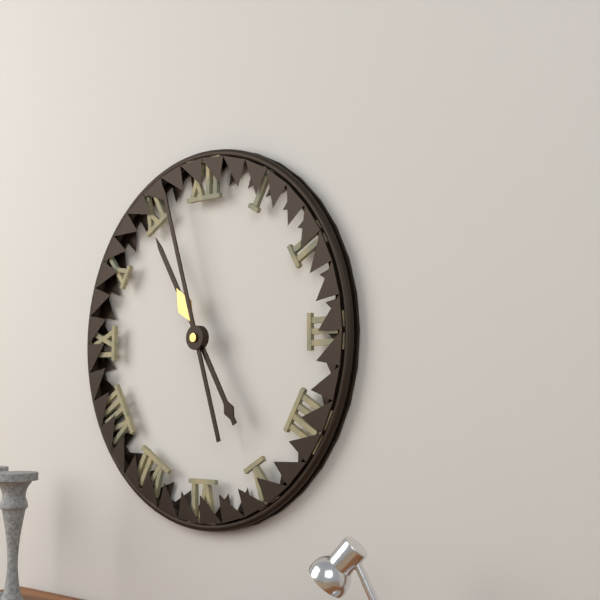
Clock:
10 h 57 min
